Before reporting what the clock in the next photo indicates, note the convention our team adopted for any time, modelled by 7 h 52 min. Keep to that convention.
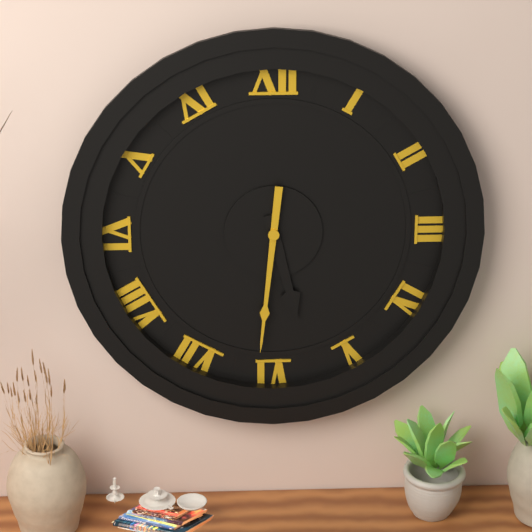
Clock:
5 h 31 min
